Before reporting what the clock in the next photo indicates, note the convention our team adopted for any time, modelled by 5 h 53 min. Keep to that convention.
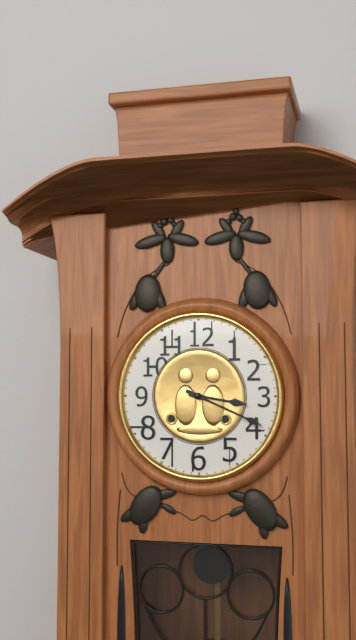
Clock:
3 h 19 min
